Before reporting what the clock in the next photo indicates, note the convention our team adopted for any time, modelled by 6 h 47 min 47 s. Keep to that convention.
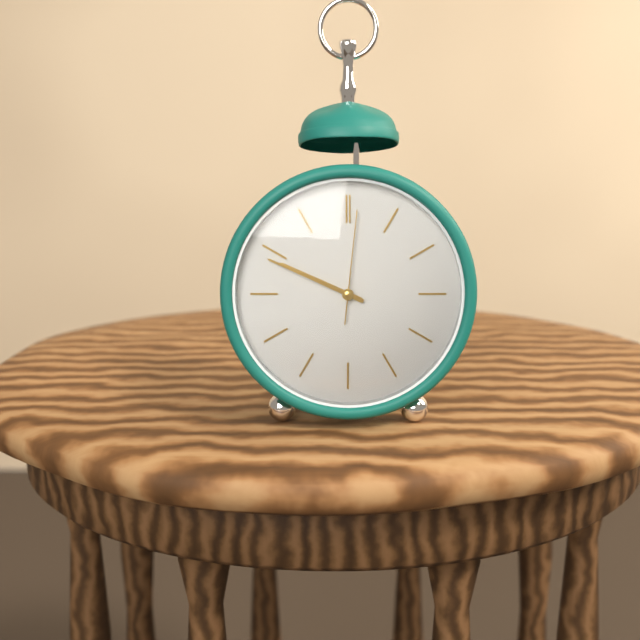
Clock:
9 h 49 min 01 s
